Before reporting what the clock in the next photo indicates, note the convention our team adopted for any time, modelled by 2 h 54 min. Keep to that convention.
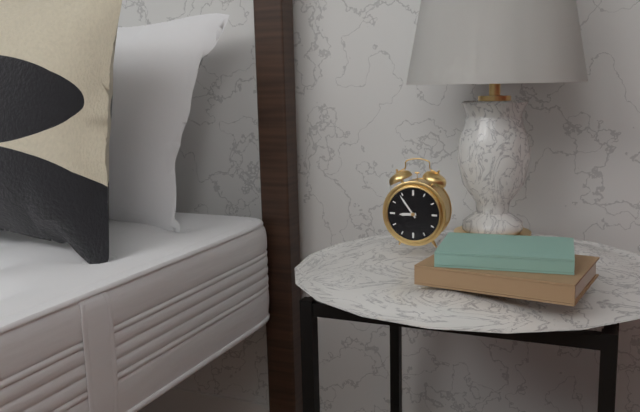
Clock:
8 h 54 min
